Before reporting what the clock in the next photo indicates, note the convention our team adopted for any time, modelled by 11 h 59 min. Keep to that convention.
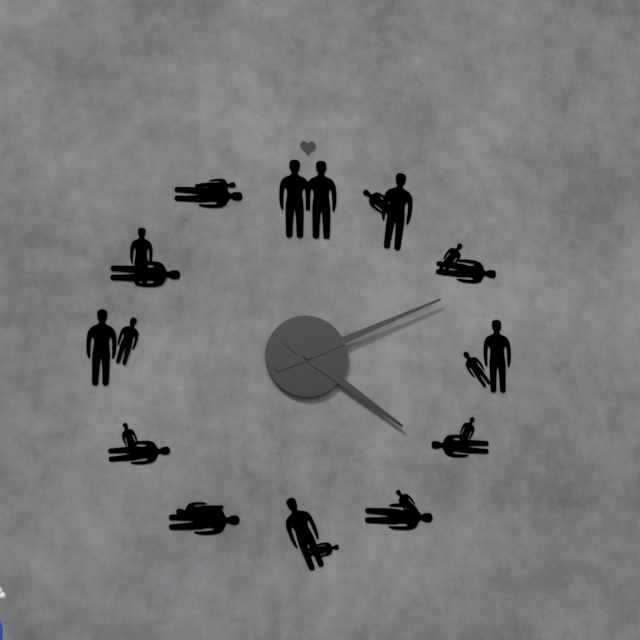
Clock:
4 h 11 min
